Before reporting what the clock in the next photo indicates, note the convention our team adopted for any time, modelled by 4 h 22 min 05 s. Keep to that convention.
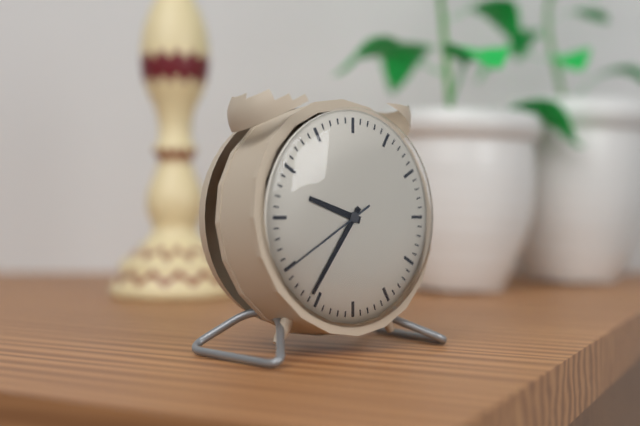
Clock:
9 h 36 min 40 s
